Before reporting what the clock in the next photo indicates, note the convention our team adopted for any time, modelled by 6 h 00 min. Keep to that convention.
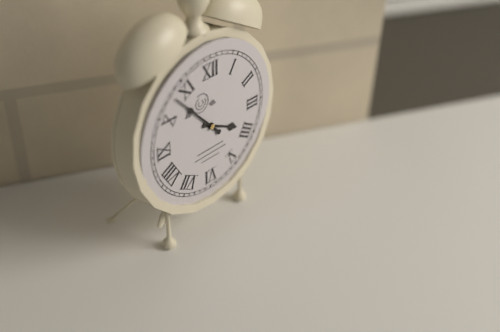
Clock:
3 h 53 min
